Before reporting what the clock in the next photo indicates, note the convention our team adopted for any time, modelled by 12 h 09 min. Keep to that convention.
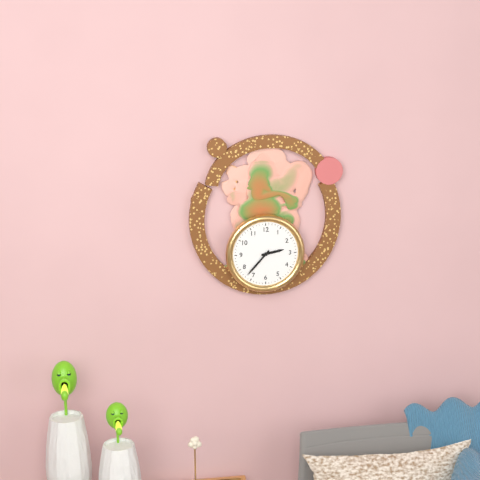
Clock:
2 h 37 min
